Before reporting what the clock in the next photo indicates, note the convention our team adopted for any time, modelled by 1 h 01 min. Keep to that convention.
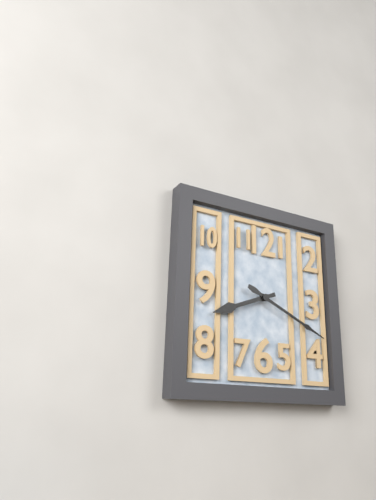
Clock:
8 h 19 min
